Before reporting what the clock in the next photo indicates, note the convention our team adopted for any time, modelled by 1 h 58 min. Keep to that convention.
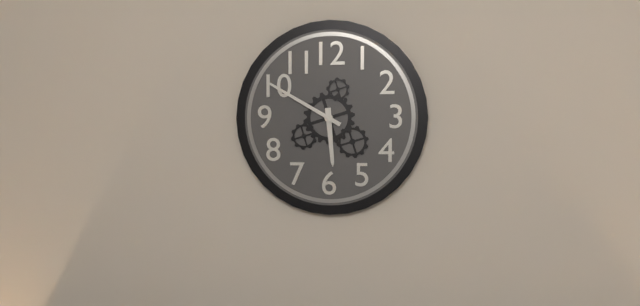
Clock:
5 h 50 min
